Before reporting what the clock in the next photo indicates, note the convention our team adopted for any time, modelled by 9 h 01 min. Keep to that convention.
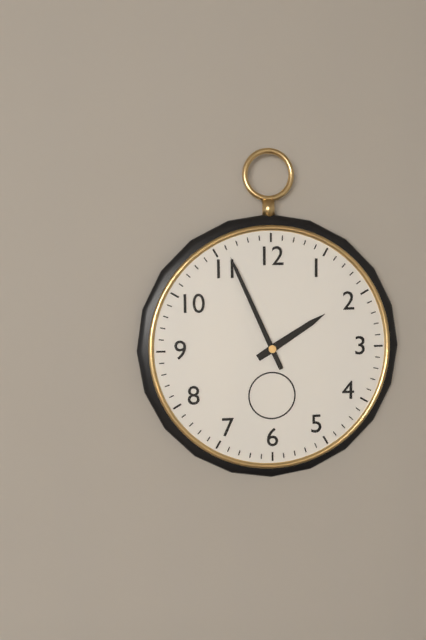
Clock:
1 h 56 min
